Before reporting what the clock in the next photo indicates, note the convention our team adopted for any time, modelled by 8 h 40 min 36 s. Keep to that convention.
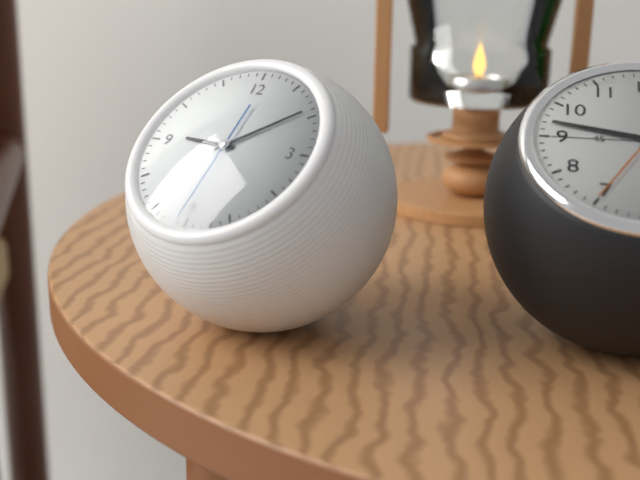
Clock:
9 h 09 min 31 s
